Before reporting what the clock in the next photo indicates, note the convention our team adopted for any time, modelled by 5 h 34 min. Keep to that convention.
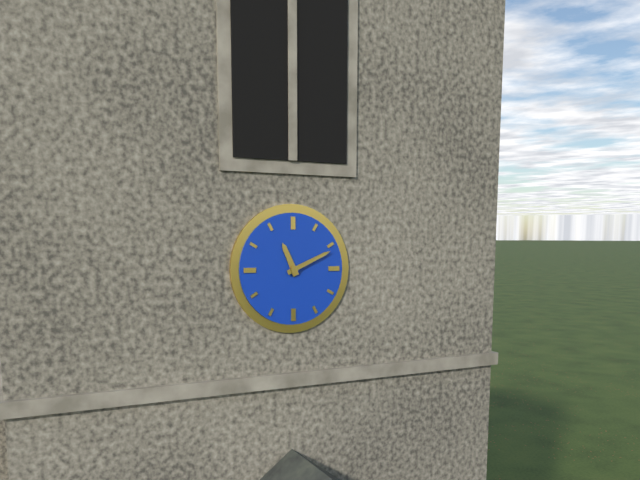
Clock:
11 h 11 min
